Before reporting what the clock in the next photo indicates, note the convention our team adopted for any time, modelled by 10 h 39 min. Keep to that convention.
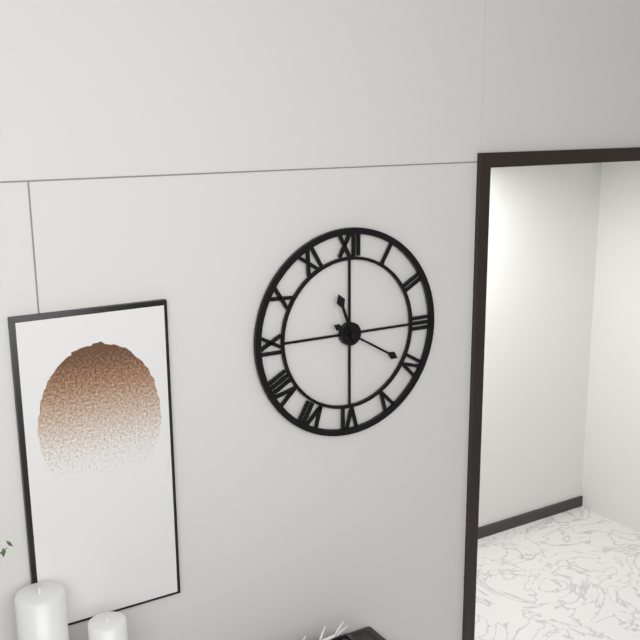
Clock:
11 h 20 min
